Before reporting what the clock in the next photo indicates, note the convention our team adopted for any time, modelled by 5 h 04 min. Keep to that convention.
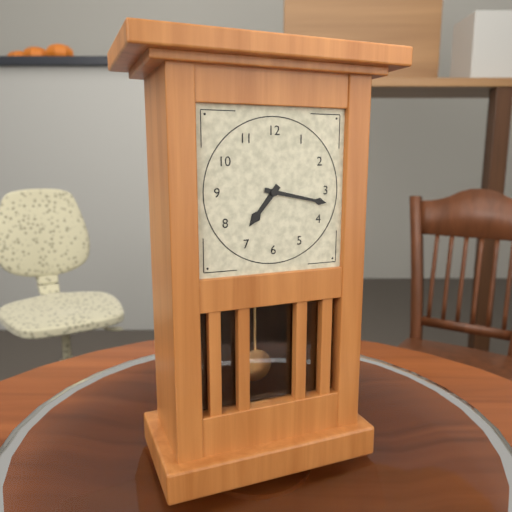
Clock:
7 h 17 min
